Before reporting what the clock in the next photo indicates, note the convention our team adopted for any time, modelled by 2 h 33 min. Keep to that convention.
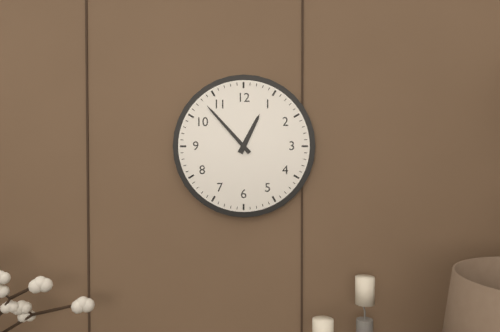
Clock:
12 h 53 min
